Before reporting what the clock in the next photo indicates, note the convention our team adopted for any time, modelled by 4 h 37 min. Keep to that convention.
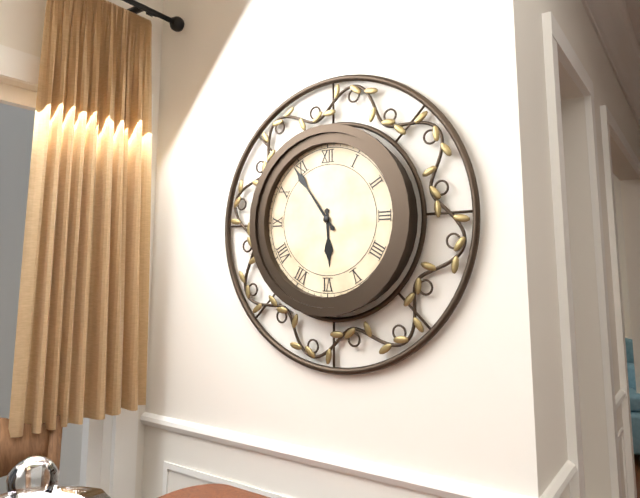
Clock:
5 h 54 min
